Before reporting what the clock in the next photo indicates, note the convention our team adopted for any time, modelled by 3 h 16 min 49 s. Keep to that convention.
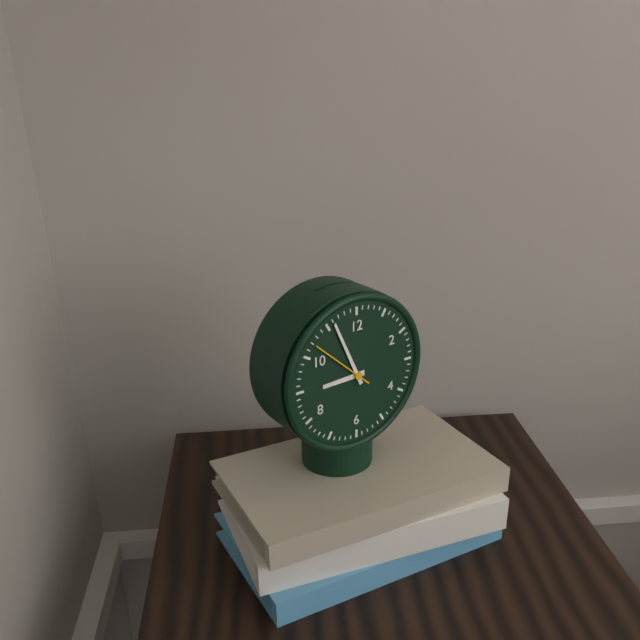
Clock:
8 h 56 min 52 s
